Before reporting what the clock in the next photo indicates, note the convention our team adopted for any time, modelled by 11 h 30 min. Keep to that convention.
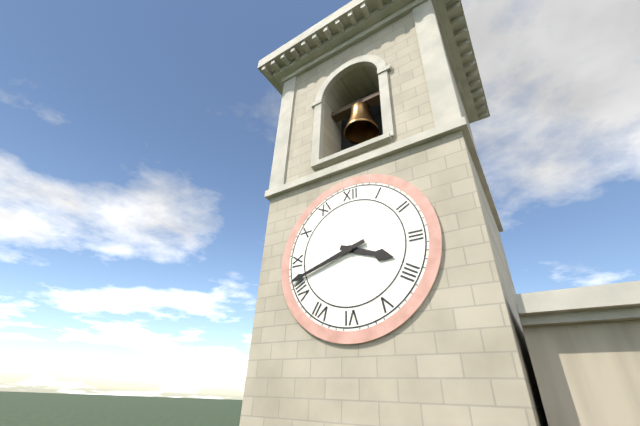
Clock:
3 h 42 min
